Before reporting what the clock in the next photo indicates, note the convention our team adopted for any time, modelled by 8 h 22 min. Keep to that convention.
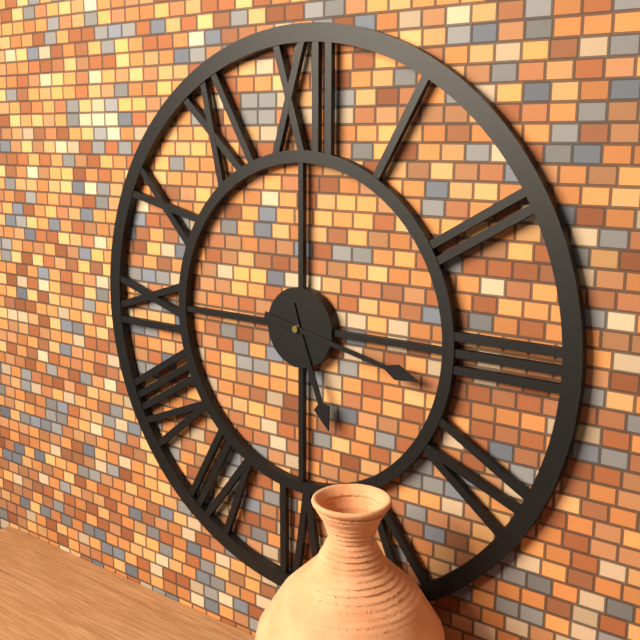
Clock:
5 h 17 min
